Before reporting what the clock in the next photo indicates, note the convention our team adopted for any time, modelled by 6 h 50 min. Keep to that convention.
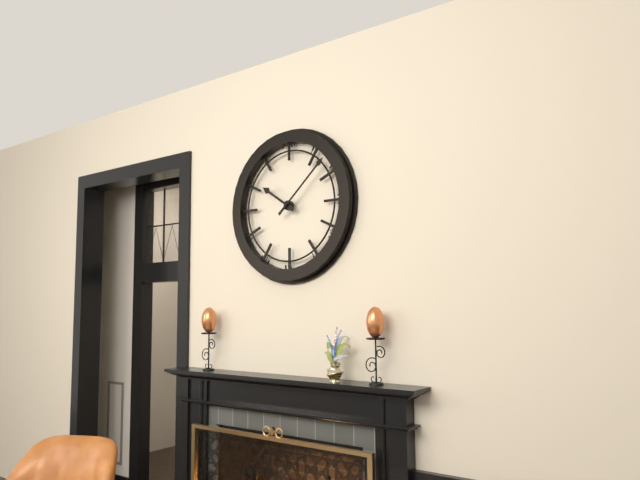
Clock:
10 h 08 min
